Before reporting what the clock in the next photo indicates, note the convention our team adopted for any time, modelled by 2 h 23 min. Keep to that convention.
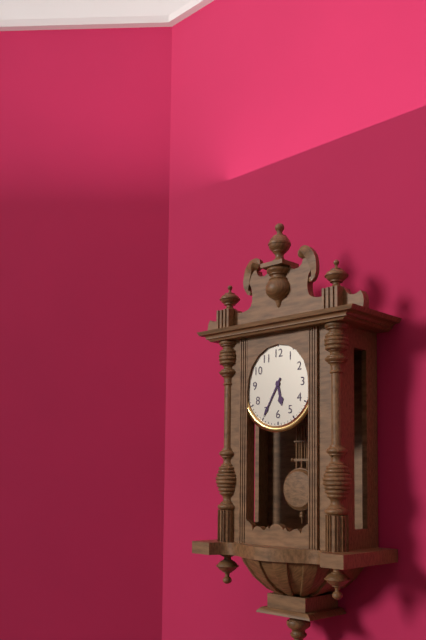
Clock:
5 h 35 min
